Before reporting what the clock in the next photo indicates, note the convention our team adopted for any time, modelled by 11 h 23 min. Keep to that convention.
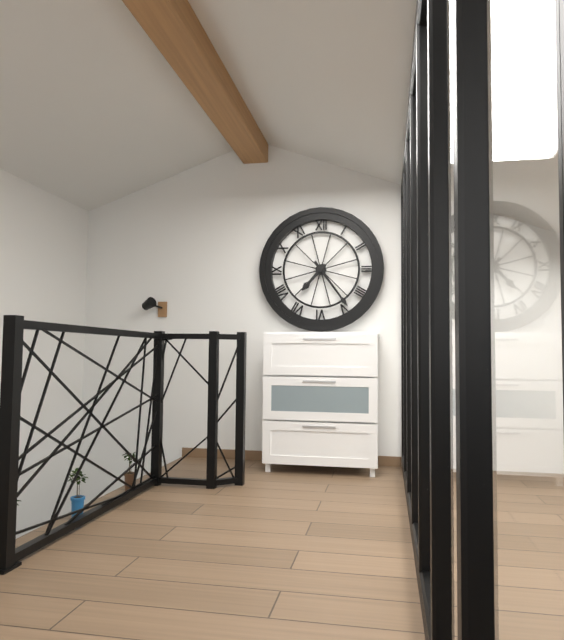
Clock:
7 h 24 min
